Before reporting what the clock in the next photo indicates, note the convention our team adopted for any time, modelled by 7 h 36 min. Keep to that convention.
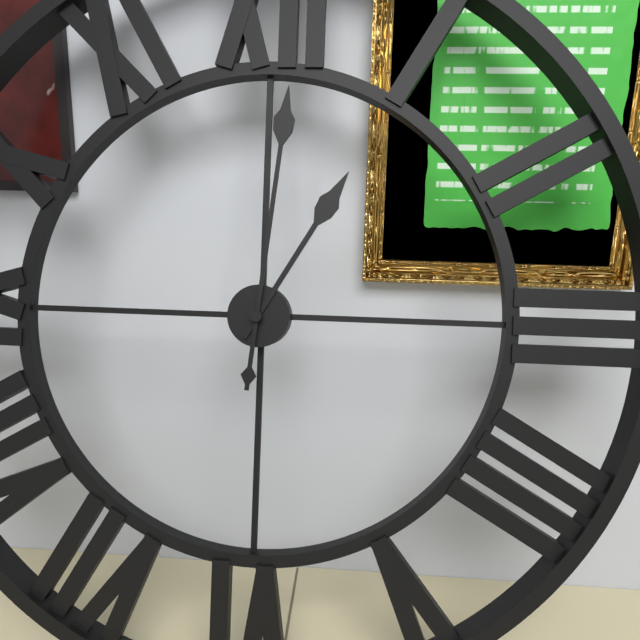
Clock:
1 h 01 min
